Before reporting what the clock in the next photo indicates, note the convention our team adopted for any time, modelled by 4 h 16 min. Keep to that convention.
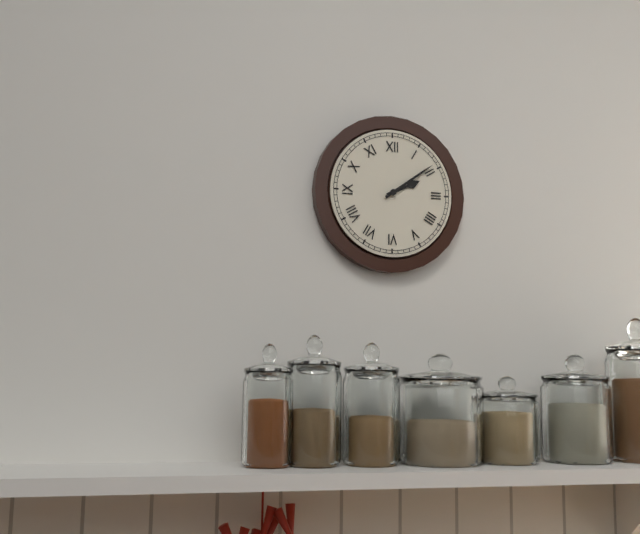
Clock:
2 h 09 min
